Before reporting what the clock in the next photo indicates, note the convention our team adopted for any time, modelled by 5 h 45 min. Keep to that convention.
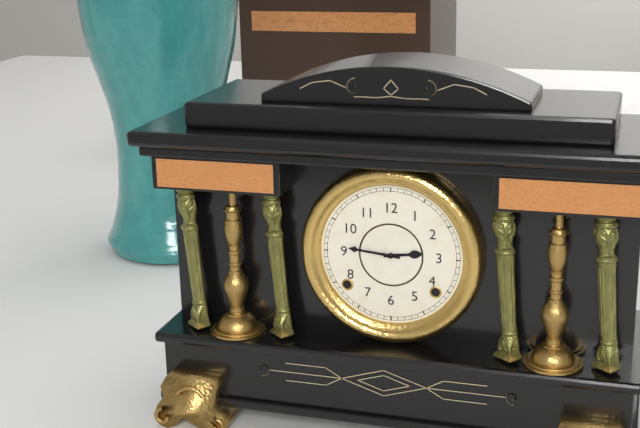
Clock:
2 h 46 min
